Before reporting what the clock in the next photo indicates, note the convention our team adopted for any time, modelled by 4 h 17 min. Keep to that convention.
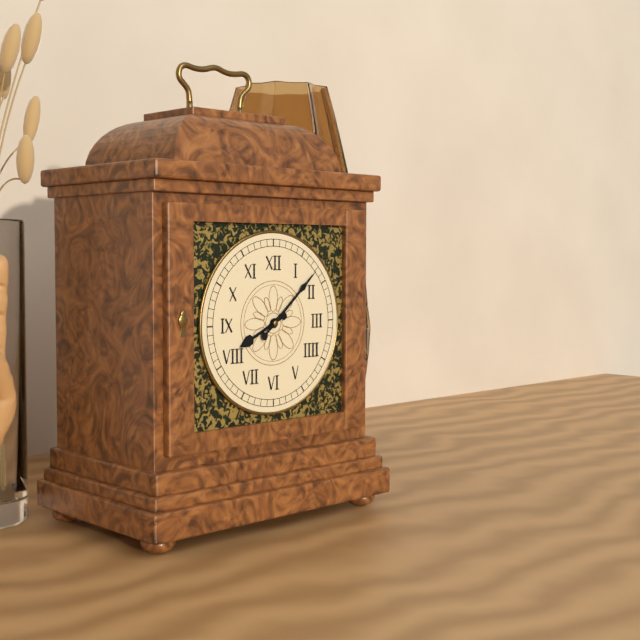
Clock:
8 h 08 min
